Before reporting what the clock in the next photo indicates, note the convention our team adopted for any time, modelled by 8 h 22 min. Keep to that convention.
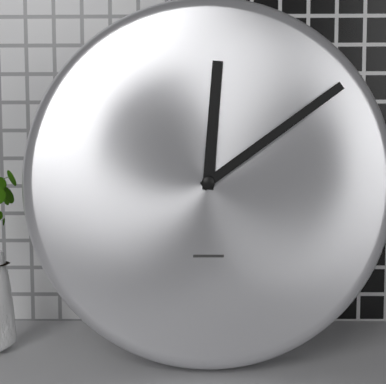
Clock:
12 h 09 min
